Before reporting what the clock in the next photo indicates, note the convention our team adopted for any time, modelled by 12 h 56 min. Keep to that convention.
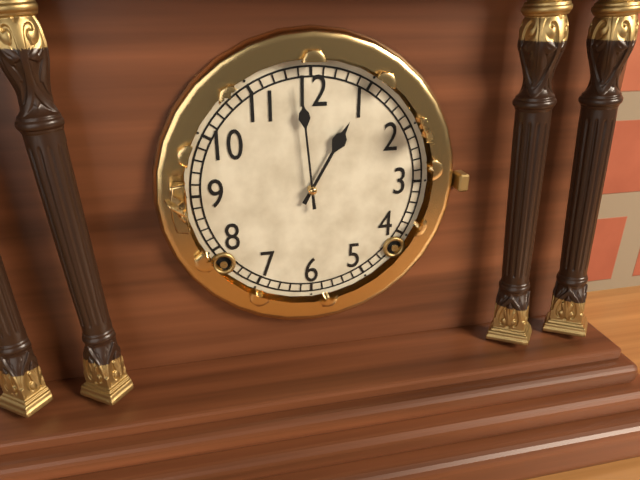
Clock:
12 h 59 min
